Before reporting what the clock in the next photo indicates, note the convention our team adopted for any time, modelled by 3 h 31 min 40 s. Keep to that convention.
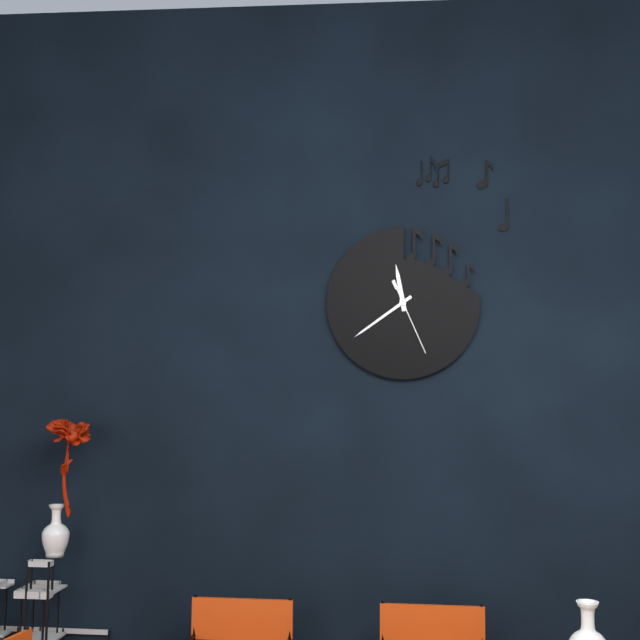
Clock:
11 h 39 min 26 s
